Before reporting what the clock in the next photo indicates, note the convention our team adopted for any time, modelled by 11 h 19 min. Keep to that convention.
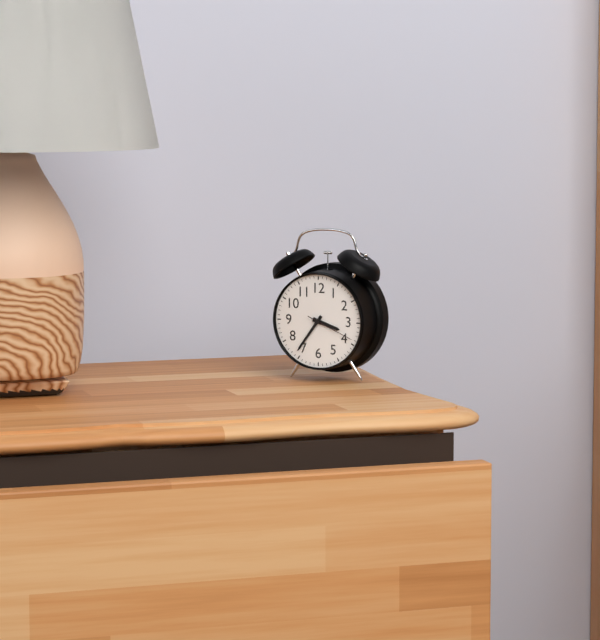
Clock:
3 h 36 min
